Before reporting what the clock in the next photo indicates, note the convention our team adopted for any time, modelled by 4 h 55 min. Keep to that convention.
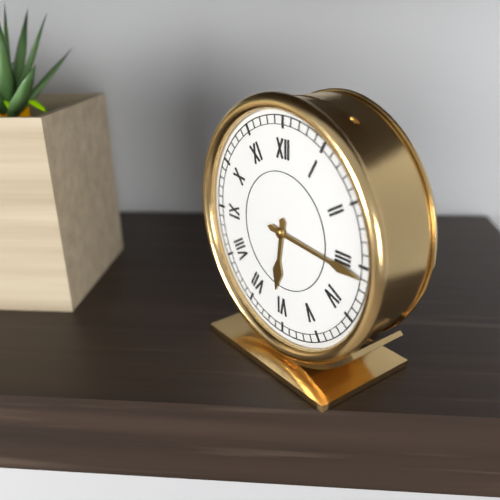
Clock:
6 h 16 min
